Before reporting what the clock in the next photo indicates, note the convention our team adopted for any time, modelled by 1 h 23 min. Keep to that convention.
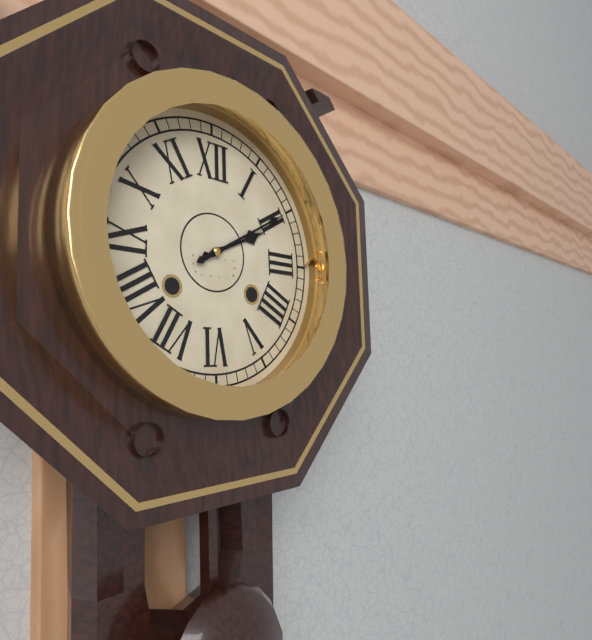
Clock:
2 h 10 min
